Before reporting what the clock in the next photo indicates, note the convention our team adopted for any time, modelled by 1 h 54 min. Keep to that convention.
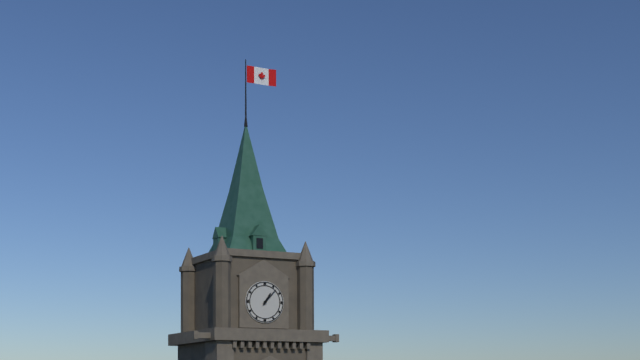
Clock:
1 h 07 min
